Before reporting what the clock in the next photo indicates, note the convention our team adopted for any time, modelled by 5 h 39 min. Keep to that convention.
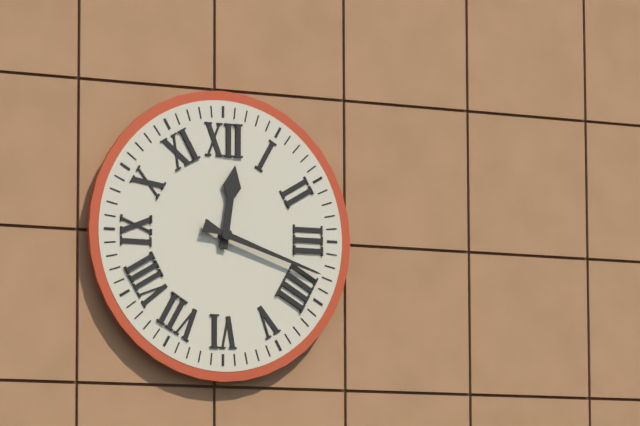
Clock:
12 h 18 min
